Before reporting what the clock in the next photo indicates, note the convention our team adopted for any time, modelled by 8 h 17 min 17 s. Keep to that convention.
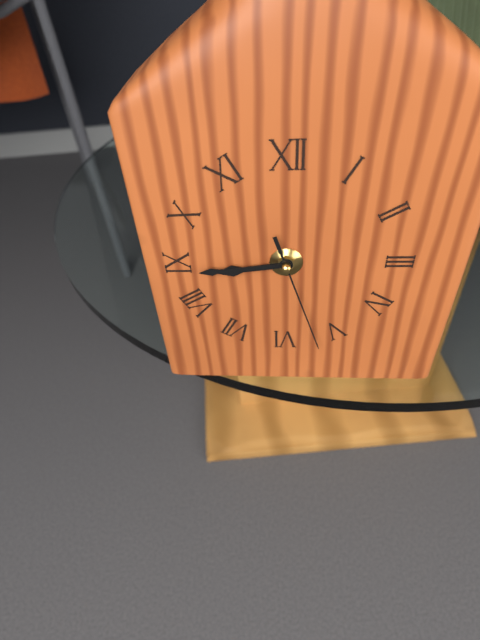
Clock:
8 h 44 min 27 s
